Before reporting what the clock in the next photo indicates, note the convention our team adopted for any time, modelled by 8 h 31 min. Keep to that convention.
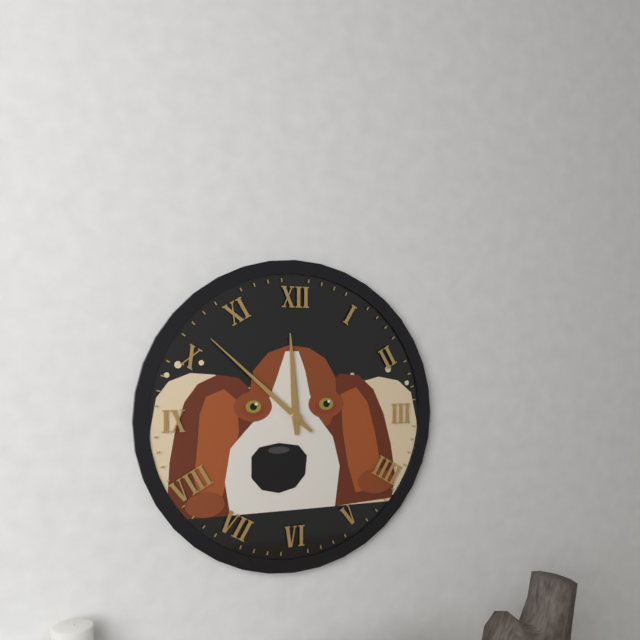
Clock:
11 h 52 min
